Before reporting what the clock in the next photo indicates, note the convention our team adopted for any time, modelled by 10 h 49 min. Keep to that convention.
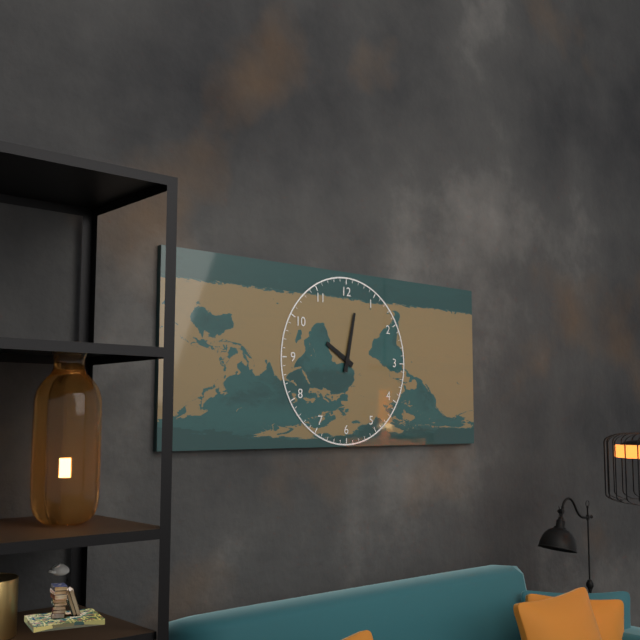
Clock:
10 h 02 min
